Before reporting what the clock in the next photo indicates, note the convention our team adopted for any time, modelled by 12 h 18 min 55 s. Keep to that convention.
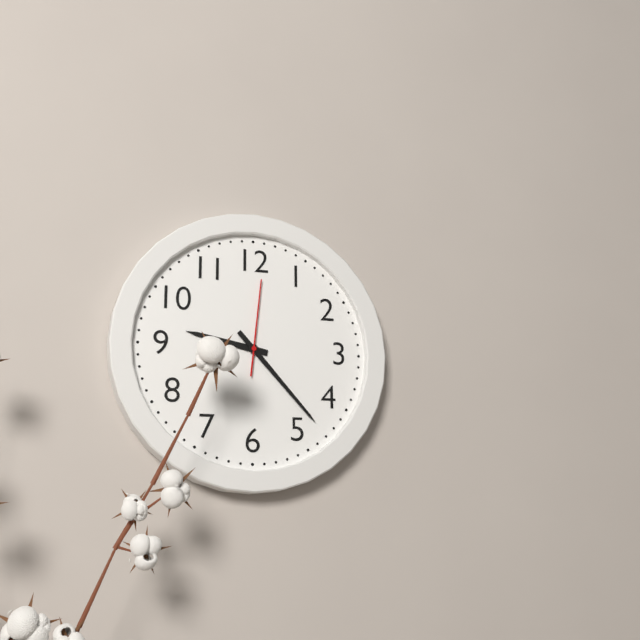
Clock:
9 h 23 min 01 s
